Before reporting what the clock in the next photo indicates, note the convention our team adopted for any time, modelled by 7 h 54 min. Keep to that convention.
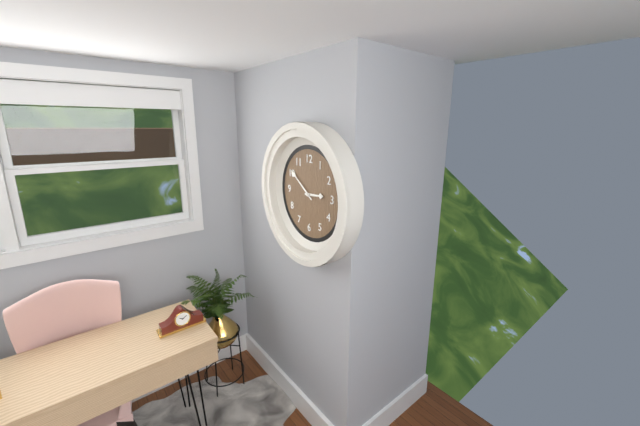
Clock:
2 h 51 min
